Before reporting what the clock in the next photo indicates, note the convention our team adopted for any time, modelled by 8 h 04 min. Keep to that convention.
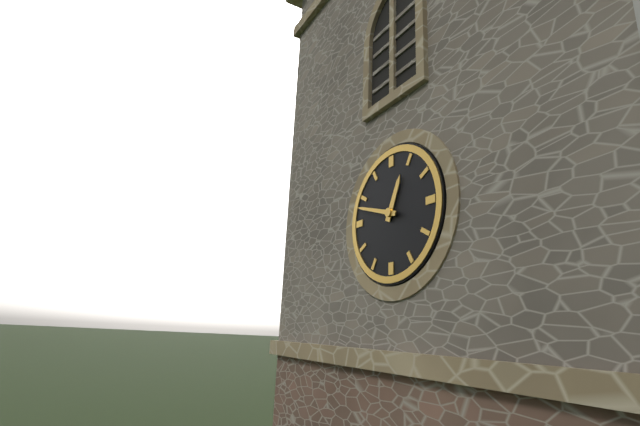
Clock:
12 h 48 min
